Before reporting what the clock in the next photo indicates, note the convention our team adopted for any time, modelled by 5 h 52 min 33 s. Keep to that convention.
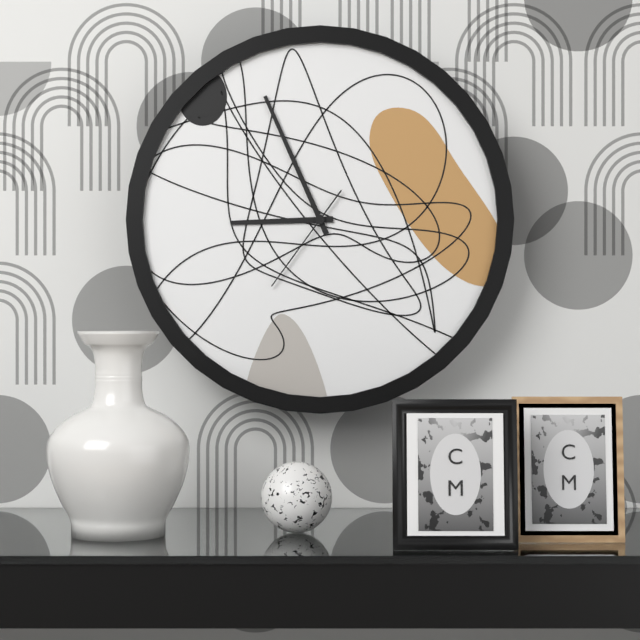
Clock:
8 h 56 min 36 s
